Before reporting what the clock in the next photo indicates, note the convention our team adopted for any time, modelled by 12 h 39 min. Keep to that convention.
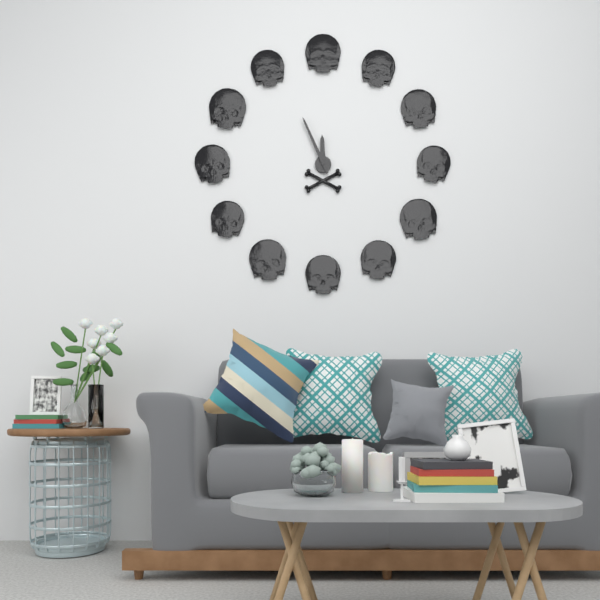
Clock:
11 h 56 min
